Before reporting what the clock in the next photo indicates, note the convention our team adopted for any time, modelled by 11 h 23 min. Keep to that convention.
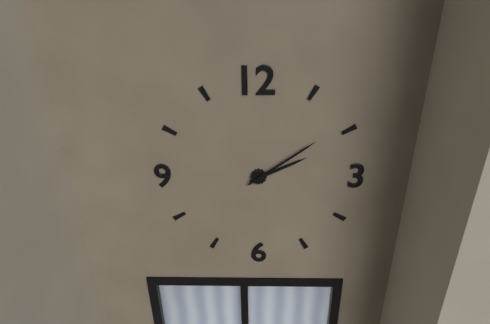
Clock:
2 h 09 min
